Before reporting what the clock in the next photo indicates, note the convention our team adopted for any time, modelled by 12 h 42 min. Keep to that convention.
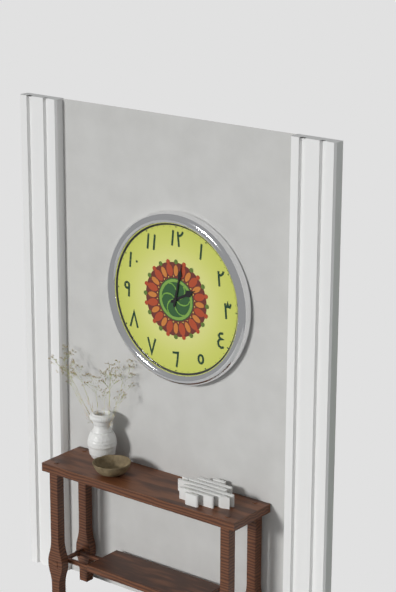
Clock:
2 h 02 min
